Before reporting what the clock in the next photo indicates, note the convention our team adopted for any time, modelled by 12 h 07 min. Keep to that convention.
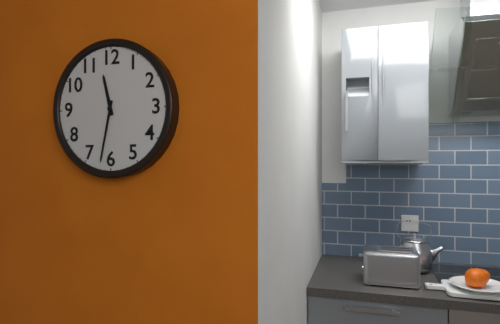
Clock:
11 h 32 min
